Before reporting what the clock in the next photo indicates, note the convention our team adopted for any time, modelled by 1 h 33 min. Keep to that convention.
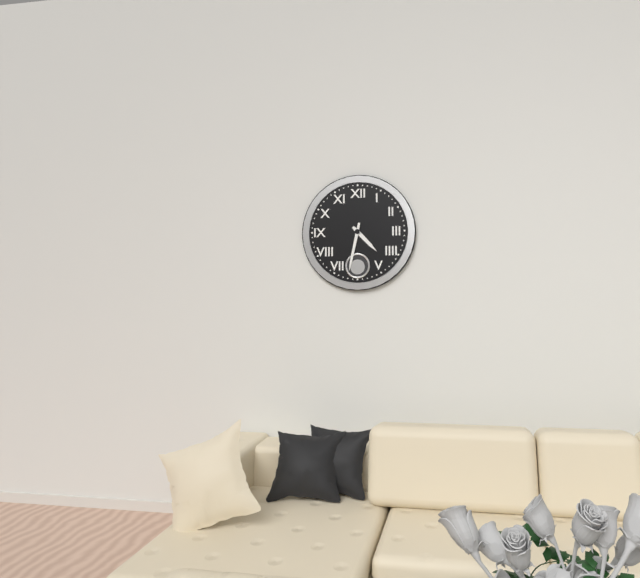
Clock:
4 h 32 min
